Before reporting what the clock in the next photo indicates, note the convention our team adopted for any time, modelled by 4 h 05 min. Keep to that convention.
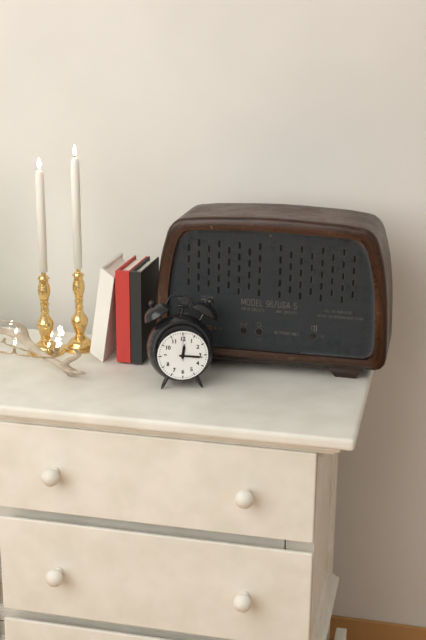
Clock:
12 h 16 min
